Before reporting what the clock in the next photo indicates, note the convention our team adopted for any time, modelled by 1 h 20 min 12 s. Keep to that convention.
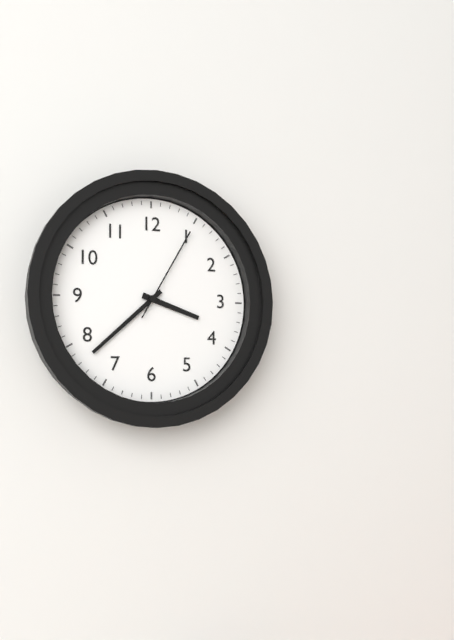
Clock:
3 h 38 min 05 s
